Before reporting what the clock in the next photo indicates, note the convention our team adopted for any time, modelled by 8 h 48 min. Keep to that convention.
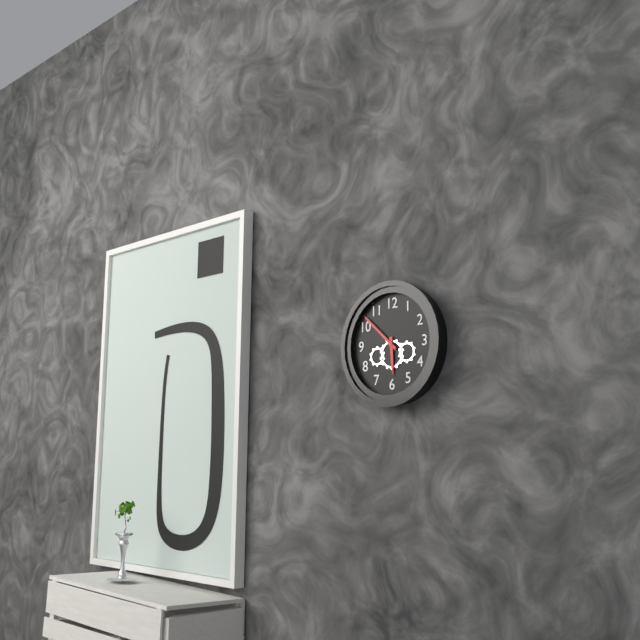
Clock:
5 h 52 min
